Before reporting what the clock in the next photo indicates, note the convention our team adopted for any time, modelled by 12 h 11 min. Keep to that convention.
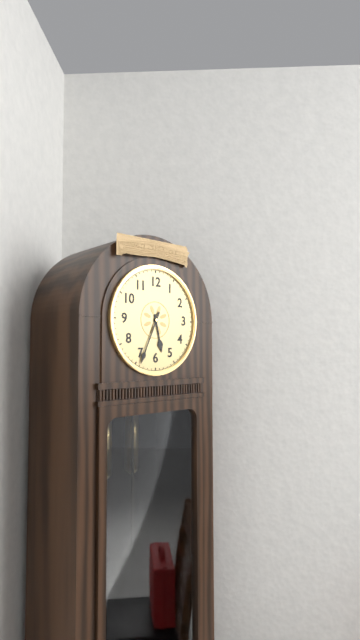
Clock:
5 h 34 min
